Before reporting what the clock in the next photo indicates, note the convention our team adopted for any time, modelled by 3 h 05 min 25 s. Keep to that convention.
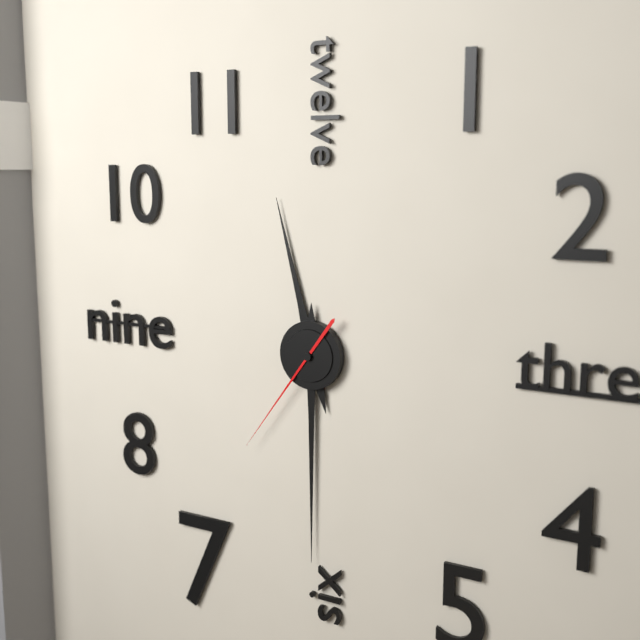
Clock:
11 h 30 min 36 s
